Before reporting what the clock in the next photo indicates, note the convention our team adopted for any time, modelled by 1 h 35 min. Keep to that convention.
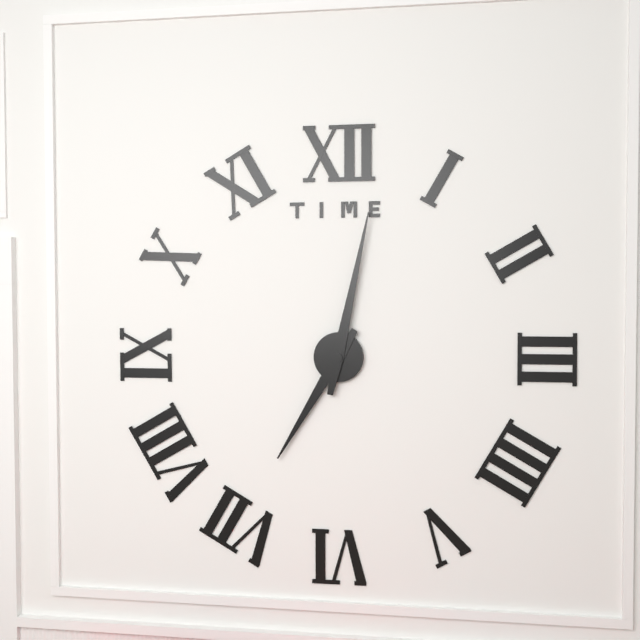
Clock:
7 h 02 min
